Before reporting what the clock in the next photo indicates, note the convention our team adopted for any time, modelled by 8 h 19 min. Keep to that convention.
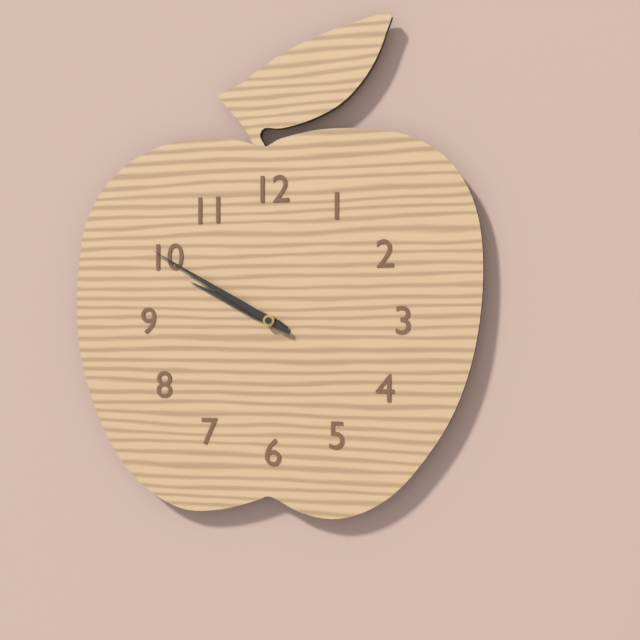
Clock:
9 h 50 min
